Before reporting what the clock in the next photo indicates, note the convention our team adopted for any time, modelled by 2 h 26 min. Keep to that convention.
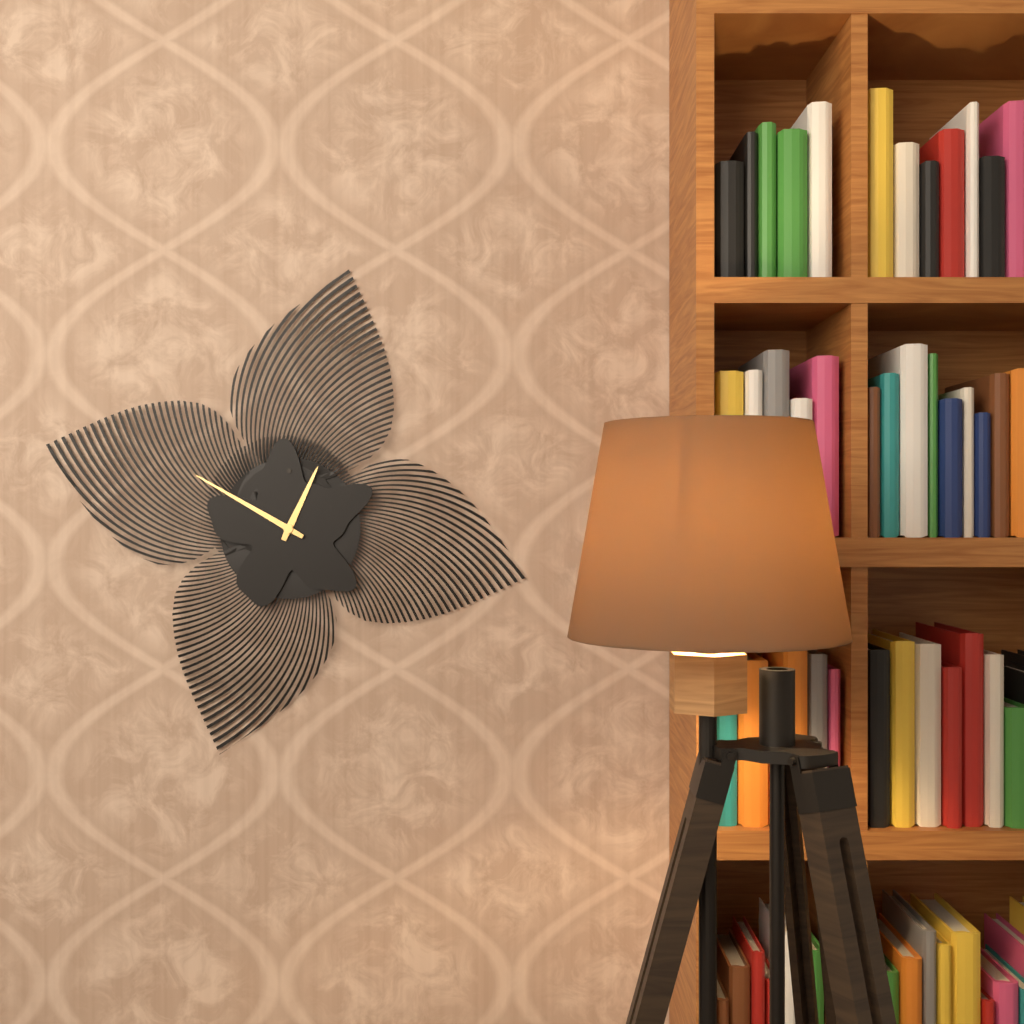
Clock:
12 h 50 min
